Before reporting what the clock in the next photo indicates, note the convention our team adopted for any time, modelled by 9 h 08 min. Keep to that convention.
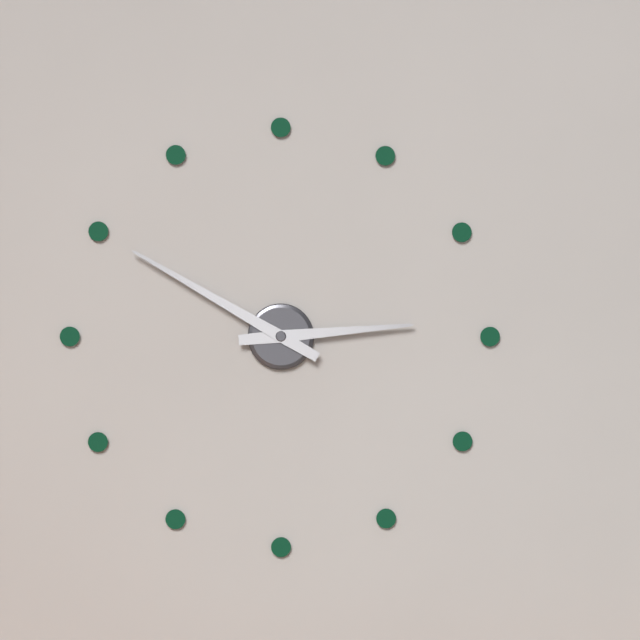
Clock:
2 h 50 min
